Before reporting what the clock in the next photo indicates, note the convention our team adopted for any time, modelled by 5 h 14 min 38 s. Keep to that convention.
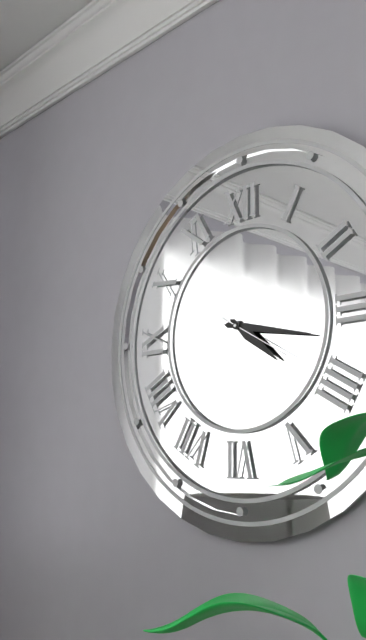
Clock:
4 h 17 min 20 s
